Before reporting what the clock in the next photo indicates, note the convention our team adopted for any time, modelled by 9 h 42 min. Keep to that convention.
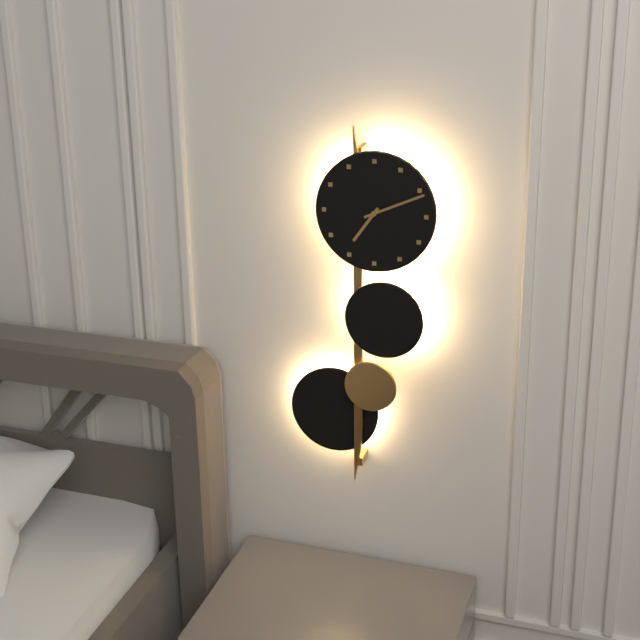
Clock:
7 h 11 min
